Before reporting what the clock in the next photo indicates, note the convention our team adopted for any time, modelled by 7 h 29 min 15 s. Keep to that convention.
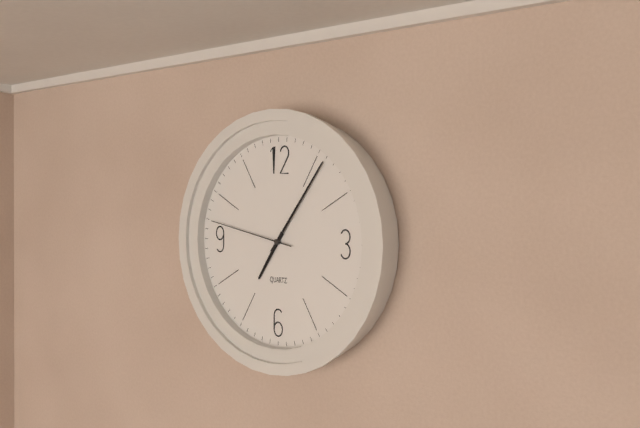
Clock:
7 h 06 min 47 s
